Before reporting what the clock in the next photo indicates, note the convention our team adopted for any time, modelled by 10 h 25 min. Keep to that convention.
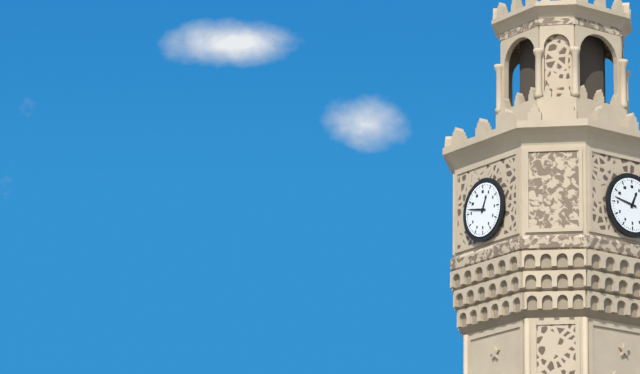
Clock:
12 h 47 min
